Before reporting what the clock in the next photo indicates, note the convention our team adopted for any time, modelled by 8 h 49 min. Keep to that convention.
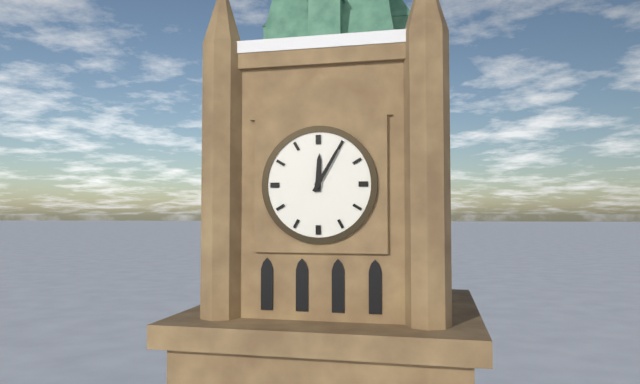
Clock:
12 h 05 min
